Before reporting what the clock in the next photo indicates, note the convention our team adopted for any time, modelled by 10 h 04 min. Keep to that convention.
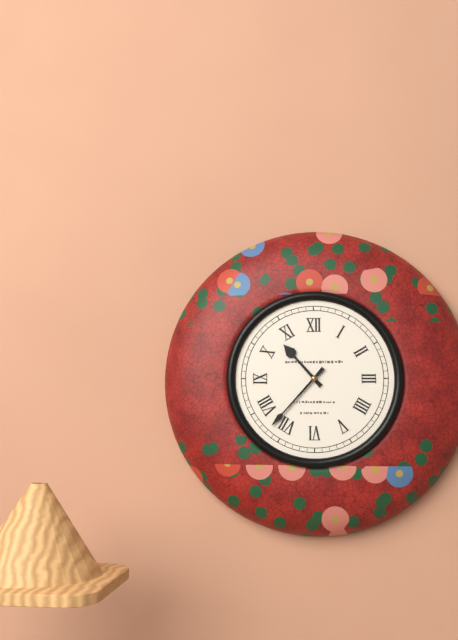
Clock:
10 h 37 min
